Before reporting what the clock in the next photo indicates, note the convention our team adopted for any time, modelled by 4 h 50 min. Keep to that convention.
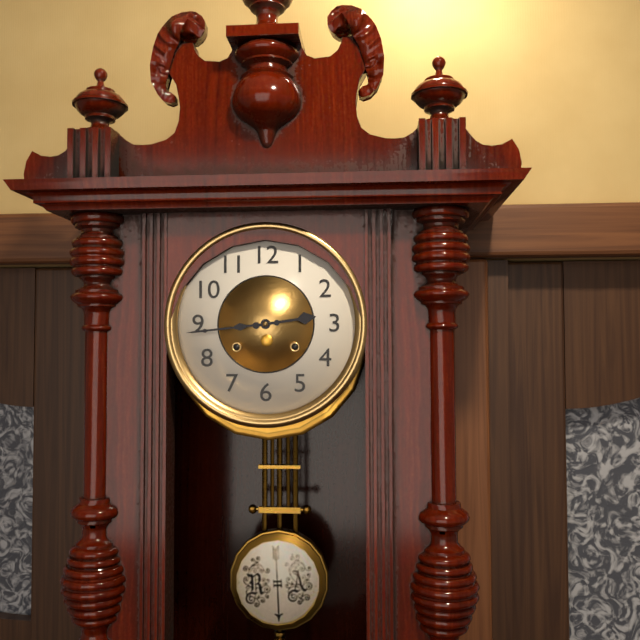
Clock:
2 h 44 min
